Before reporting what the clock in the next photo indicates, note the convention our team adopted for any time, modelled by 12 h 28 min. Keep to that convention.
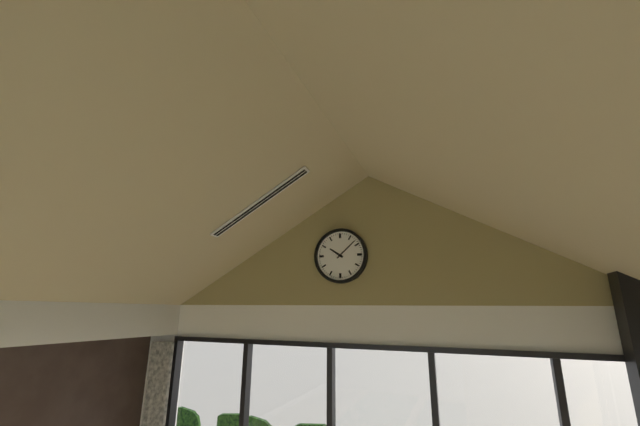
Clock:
10 h 08 min
